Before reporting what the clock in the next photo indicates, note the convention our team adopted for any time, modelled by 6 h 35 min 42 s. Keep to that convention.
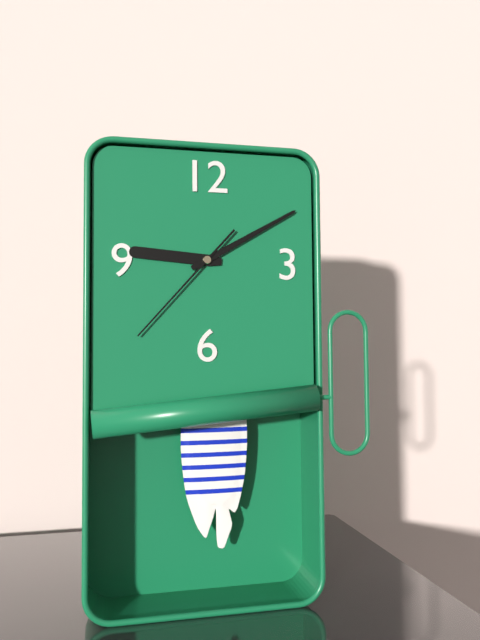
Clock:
9 h 10 min 37 s
